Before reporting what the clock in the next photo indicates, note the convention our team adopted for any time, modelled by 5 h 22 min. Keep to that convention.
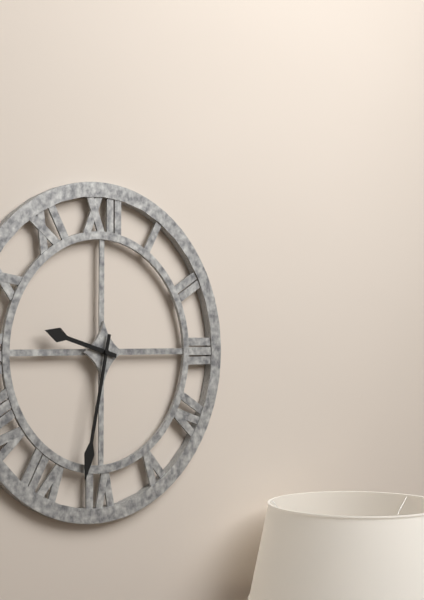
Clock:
9 h 32 min
